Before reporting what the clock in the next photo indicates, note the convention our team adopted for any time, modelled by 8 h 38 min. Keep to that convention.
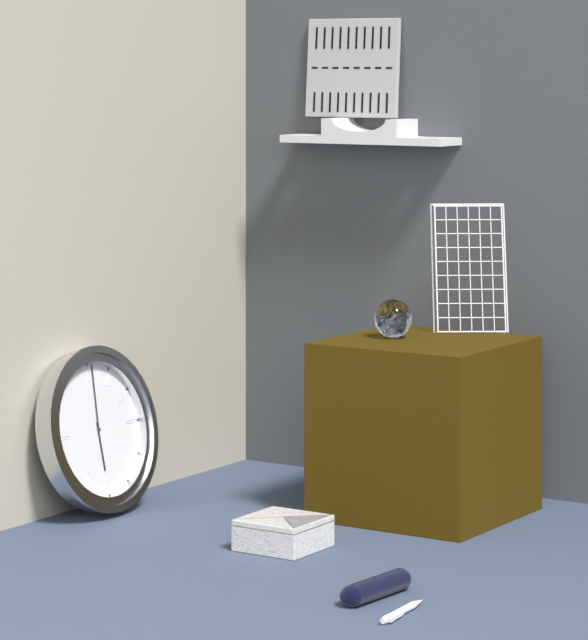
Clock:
6 h 01 min
